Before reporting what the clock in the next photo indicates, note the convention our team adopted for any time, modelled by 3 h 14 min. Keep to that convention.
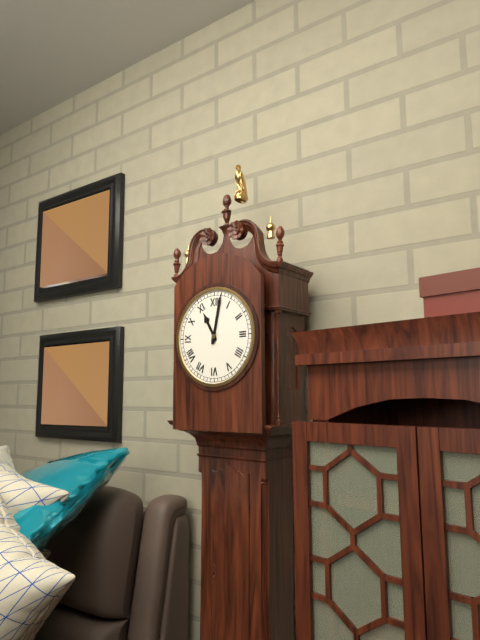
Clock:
11 h 02 min
